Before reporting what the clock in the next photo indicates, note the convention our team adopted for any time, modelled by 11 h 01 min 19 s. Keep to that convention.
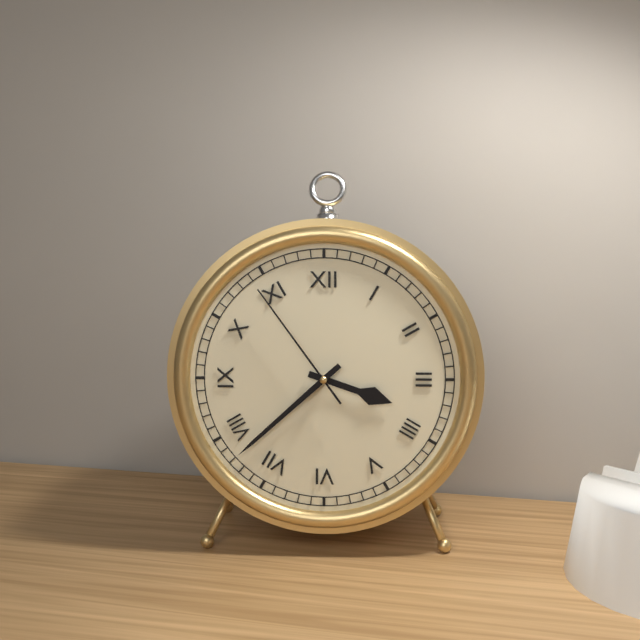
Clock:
3 h 38 min 54 s
